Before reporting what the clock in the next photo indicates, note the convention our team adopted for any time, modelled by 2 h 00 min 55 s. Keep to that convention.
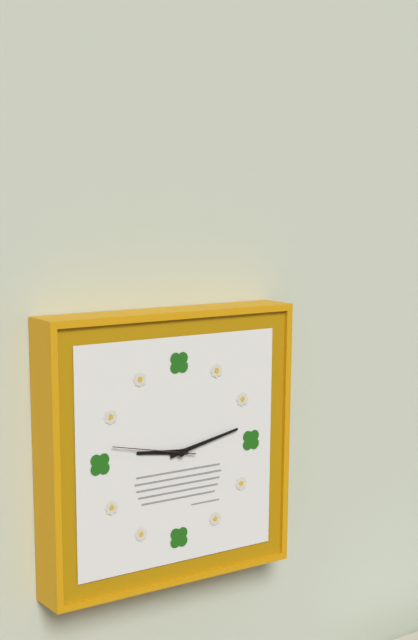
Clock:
9 h 13 min 47 s
